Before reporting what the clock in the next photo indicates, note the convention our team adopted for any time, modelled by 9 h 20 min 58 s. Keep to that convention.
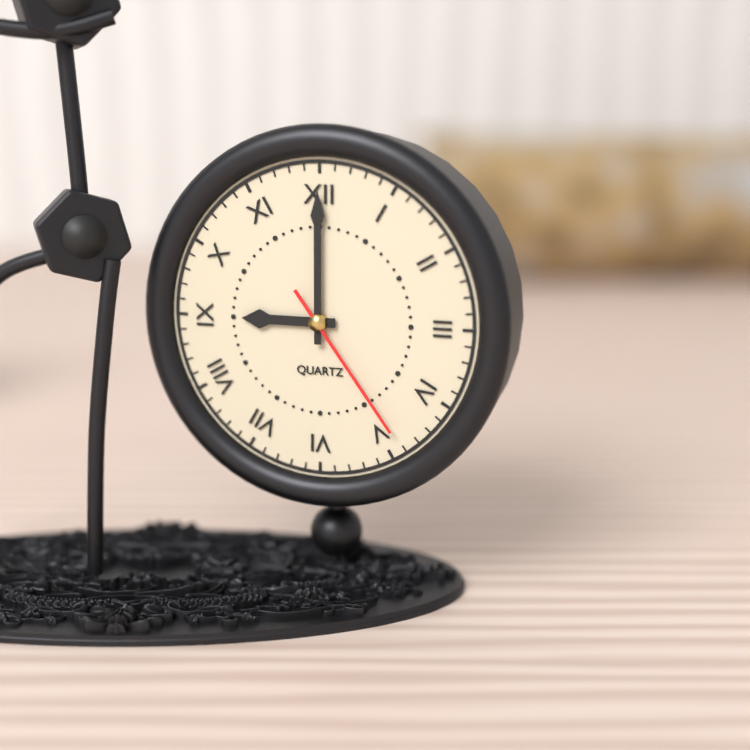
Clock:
9 h 00 min 24 s
